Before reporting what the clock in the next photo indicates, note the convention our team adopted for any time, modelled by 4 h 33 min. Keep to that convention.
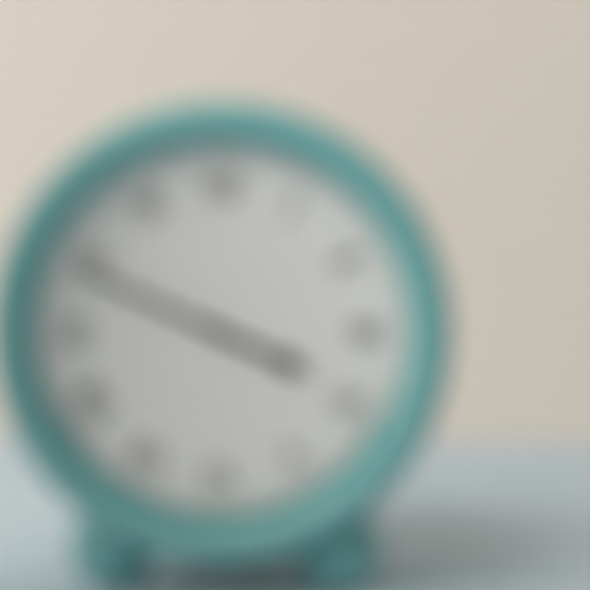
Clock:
3 h 49 min
